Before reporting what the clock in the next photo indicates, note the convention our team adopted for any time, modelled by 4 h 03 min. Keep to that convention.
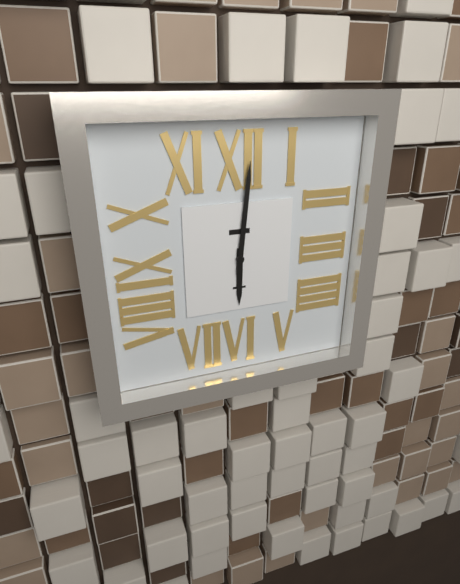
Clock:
6 h 01 min
